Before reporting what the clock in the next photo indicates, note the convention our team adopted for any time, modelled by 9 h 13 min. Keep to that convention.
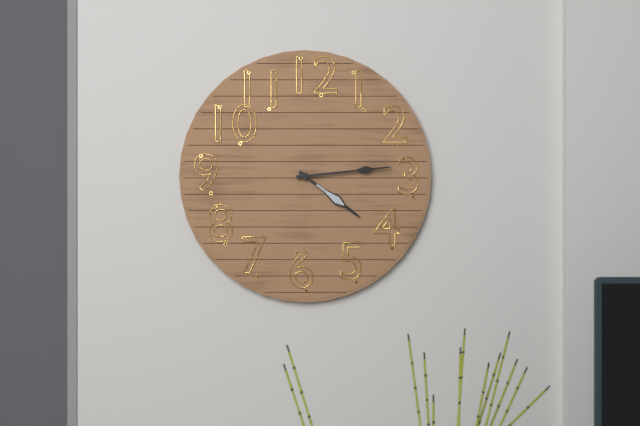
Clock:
4 h 14 min
